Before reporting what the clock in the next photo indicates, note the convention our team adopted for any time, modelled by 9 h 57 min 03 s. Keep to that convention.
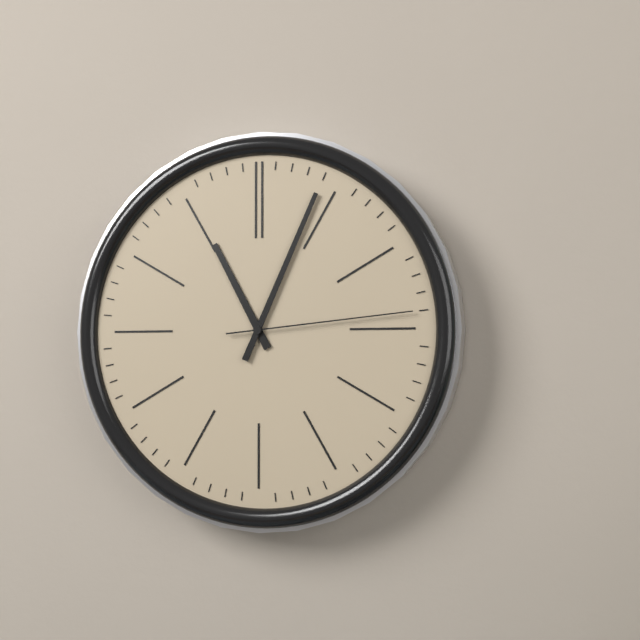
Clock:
11 h 04 min 14 s
